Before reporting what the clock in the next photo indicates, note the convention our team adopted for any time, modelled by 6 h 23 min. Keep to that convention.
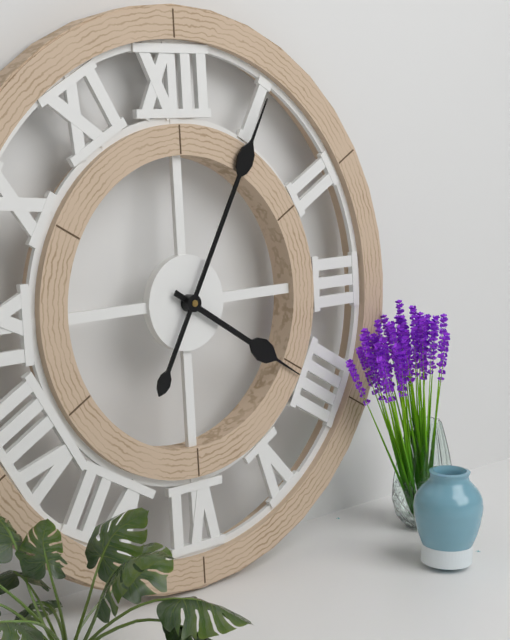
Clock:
4 h 05 min
